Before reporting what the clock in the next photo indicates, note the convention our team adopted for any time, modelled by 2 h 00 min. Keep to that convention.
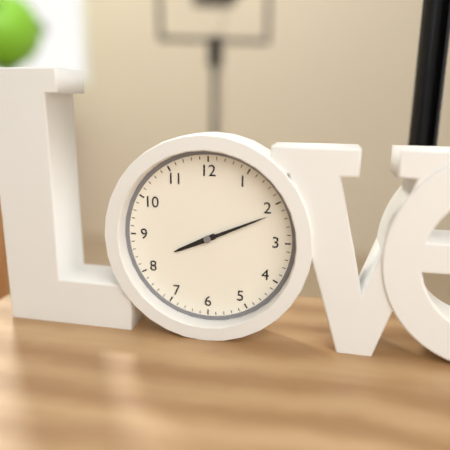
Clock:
8 h 11 min
